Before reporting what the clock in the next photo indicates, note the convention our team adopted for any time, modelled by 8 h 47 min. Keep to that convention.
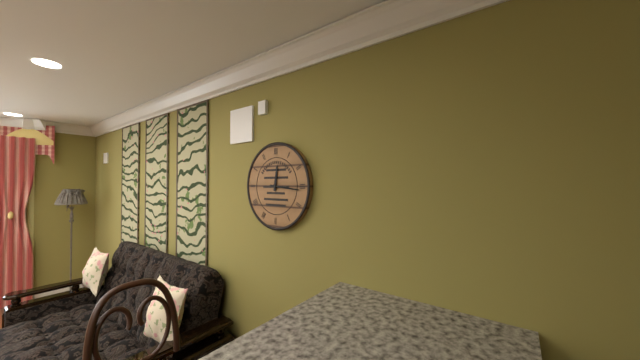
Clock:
12 h 16 min
